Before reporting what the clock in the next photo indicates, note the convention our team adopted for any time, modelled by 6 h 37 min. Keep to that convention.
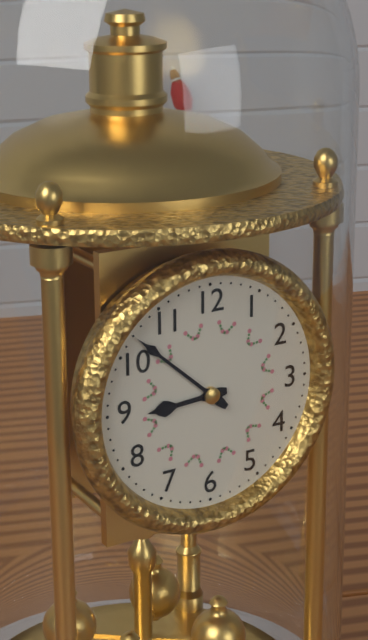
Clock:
8 h 52 min
